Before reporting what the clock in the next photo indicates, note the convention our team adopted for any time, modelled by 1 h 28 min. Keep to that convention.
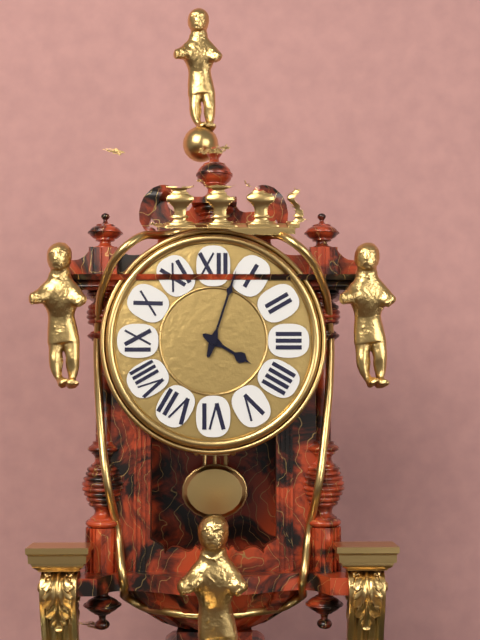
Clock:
4 h 03 min
